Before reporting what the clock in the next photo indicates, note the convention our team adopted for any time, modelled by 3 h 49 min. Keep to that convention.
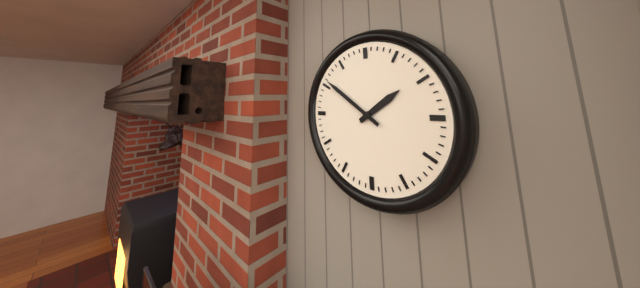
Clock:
1 h 51 min
